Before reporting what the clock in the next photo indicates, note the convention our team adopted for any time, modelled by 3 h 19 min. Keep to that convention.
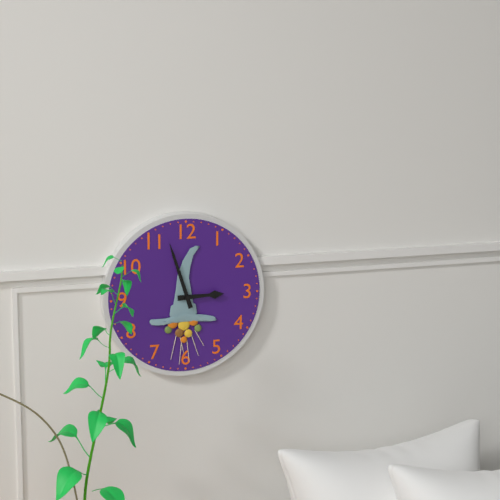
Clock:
2 h 57 min
